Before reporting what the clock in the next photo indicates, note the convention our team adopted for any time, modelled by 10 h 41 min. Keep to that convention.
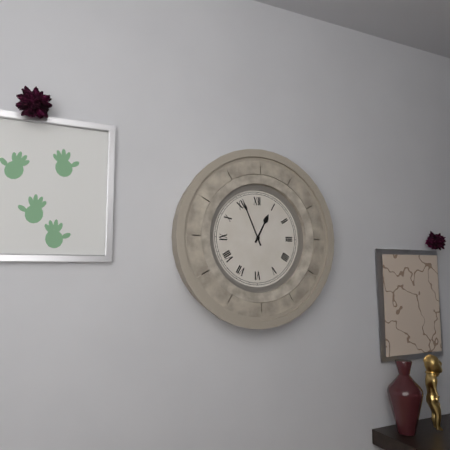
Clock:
12 h 56 min
